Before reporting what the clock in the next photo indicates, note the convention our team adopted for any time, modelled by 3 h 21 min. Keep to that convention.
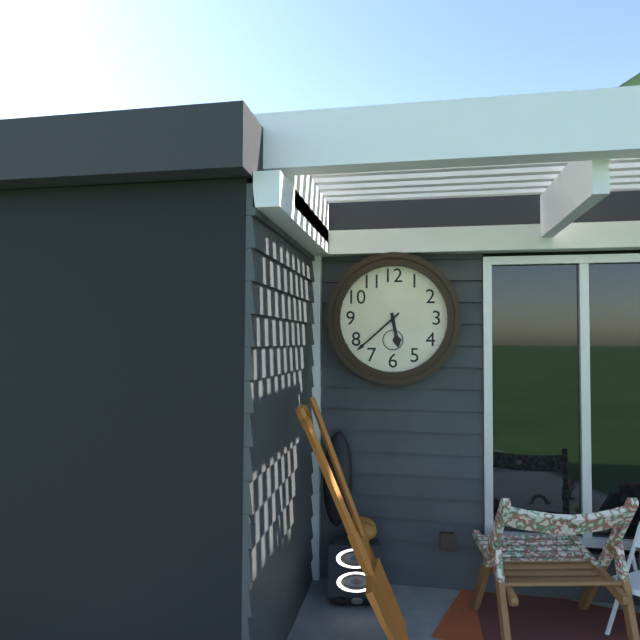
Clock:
5 h 38 min
